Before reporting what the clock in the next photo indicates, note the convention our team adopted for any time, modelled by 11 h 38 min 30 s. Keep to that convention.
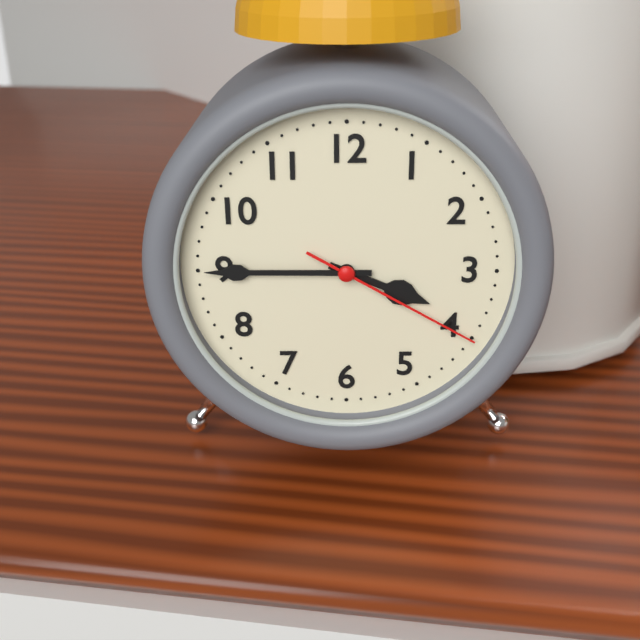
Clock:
3 h 45 min 20 s
